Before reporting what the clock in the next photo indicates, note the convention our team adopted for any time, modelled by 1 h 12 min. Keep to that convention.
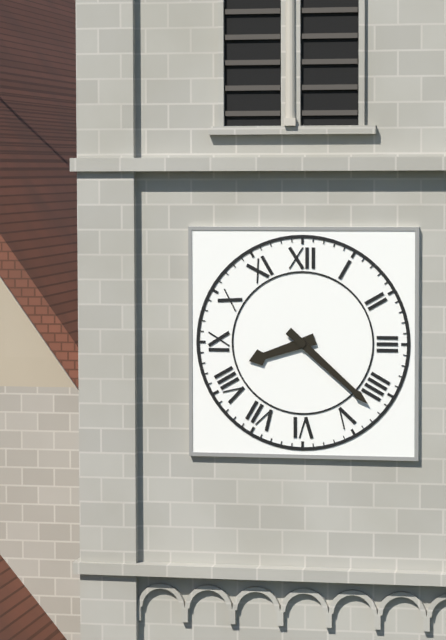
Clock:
8 h 22 min
